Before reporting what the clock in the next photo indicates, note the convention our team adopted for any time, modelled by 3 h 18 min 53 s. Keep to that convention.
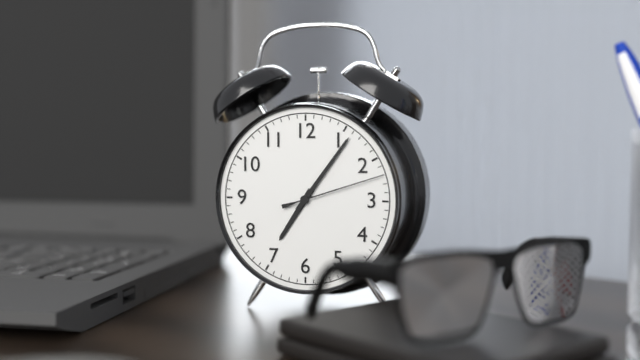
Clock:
7 h 06 min 12 s
